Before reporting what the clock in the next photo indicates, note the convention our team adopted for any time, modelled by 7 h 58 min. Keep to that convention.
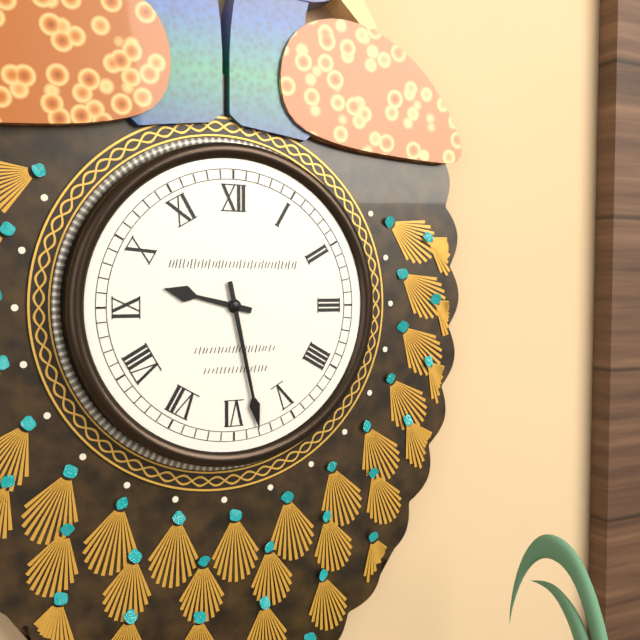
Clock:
9 h 28 min
